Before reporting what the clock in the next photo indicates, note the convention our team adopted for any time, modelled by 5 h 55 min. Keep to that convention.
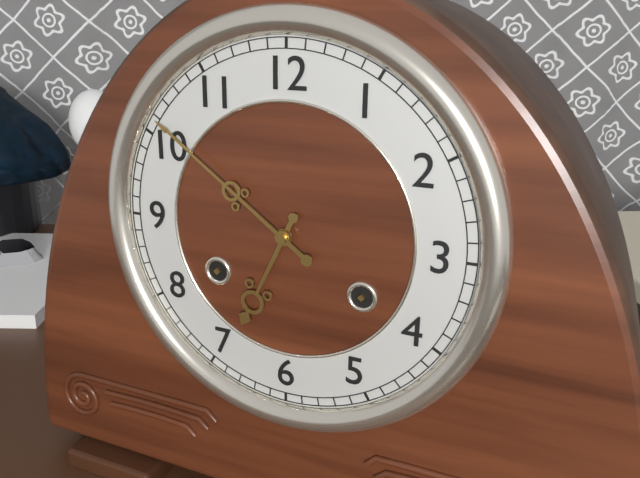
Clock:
6 h 51 min
